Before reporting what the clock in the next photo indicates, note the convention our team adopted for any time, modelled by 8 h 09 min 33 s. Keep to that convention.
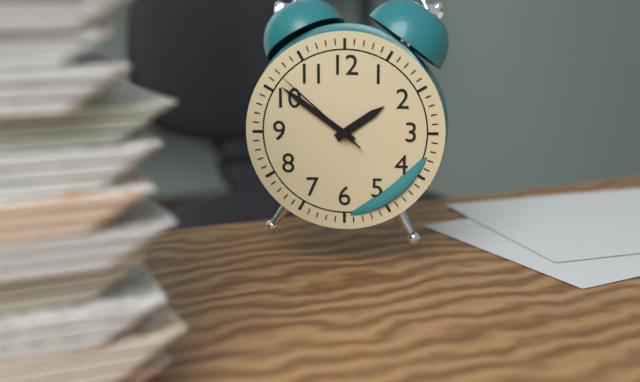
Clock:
1 h 51 min 52 s
